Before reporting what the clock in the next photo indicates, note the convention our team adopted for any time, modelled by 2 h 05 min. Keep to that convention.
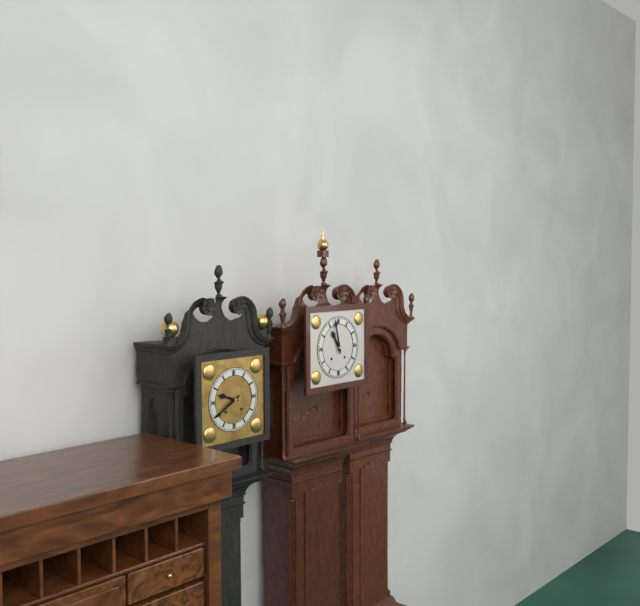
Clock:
10 h 58 min
